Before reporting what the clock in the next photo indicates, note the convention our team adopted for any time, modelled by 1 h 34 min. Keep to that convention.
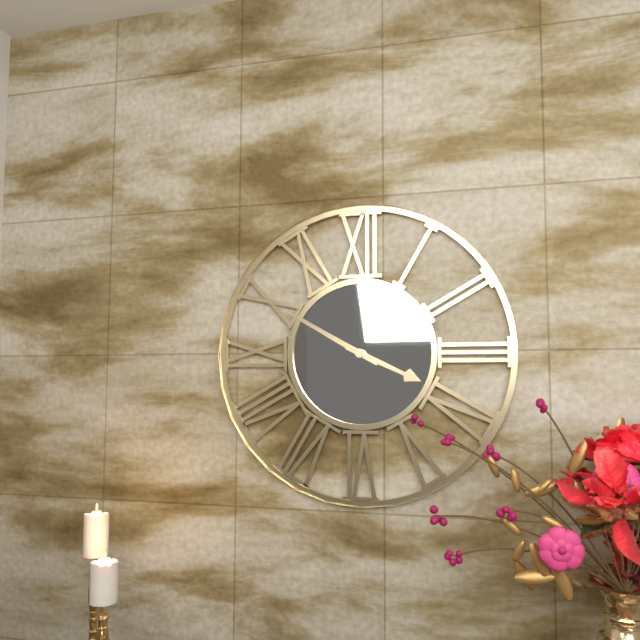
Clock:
3 h 50 min
